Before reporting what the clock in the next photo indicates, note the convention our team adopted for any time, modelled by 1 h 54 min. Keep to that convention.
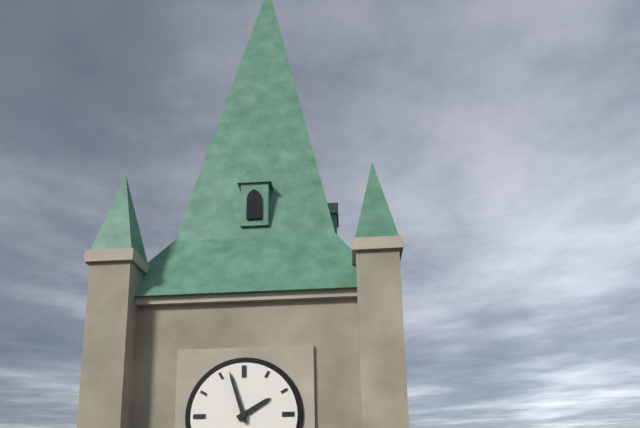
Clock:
1 h 57 min
